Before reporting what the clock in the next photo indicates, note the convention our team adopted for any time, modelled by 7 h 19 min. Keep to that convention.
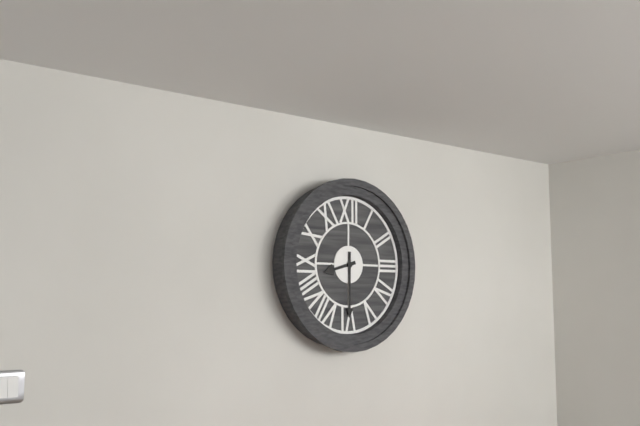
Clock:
8 h 30 min
